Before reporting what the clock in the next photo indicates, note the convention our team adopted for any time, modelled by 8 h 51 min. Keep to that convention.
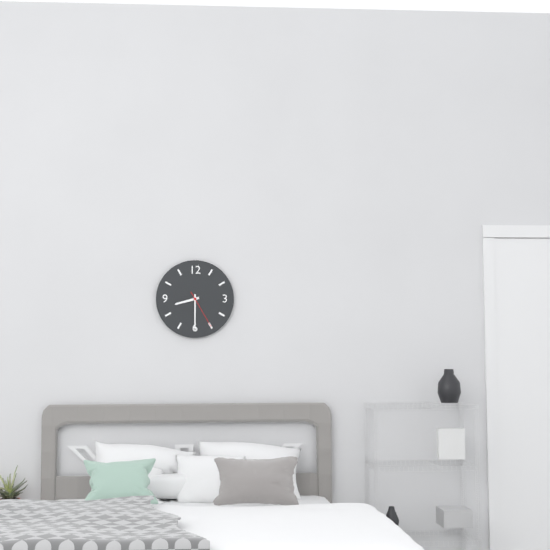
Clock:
8 h 30 min
